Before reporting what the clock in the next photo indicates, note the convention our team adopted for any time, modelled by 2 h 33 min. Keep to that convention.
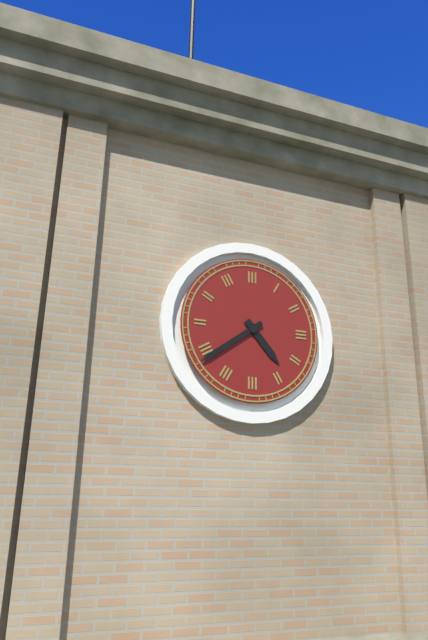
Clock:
4 h 39 min
